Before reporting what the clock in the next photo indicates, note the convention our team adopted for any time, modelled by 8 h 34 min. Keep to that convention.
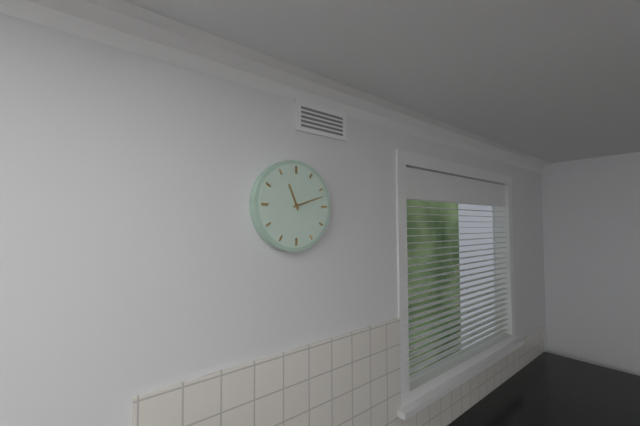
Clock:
11 h 12 min
